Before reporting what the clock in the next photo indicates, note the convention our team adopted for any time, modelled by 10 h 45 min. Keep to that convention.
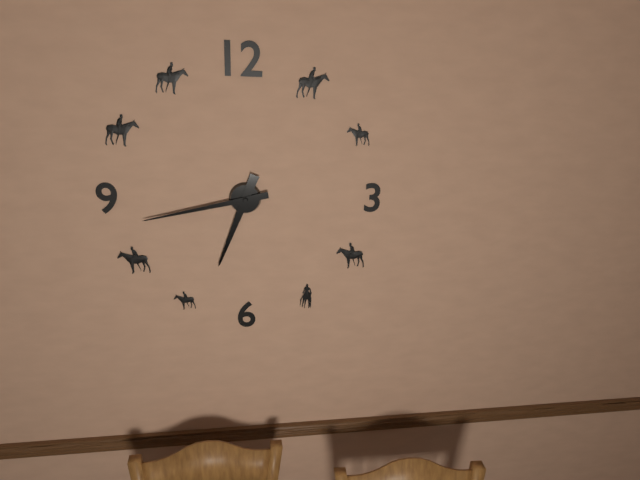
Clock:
6 h 43 min
